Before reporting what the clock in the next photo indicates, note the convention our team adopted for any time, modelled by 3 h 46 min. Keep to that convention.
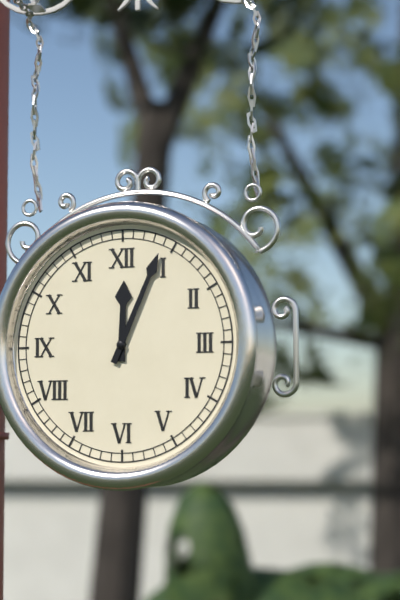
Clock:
12 h 04 min
